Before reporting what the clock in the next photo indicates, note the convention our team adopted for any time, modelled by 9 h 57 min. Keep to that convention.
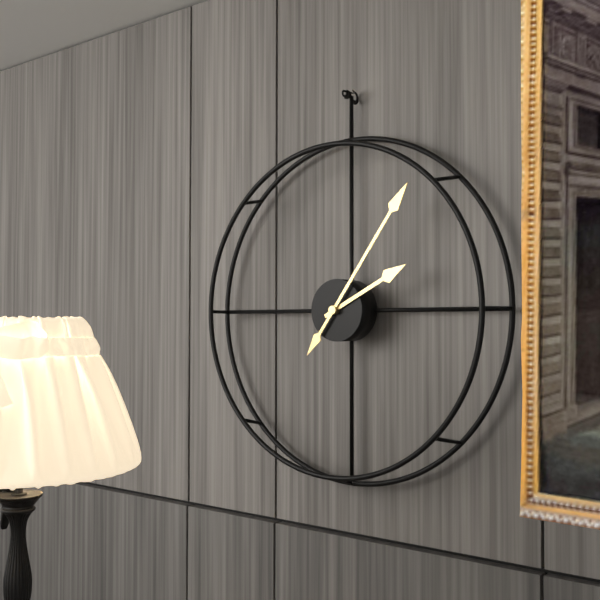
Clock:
2 h 06 min
